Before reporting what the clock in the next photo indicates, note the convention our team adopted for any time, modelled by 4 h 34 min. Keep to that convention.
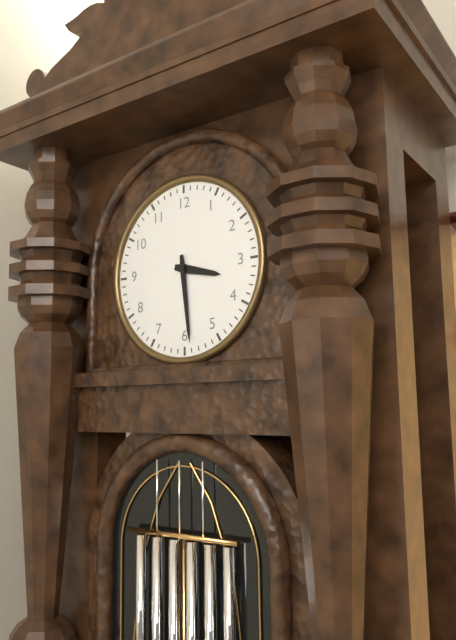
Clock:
3 h 29 min
